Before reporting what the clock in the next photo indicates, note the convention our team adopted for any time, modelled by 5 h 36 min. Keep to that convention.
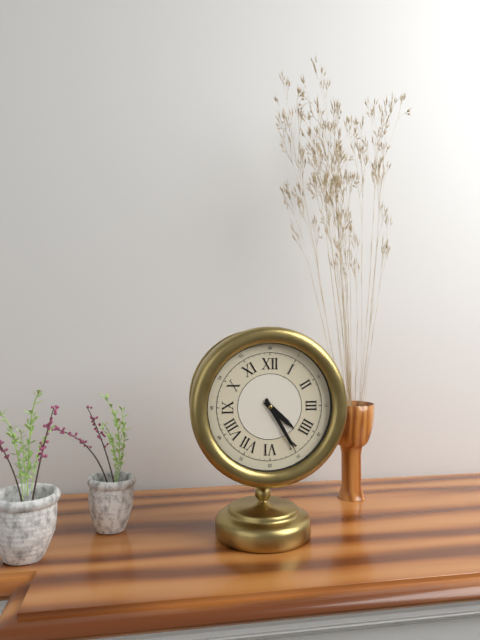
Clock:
4 h 25 min
